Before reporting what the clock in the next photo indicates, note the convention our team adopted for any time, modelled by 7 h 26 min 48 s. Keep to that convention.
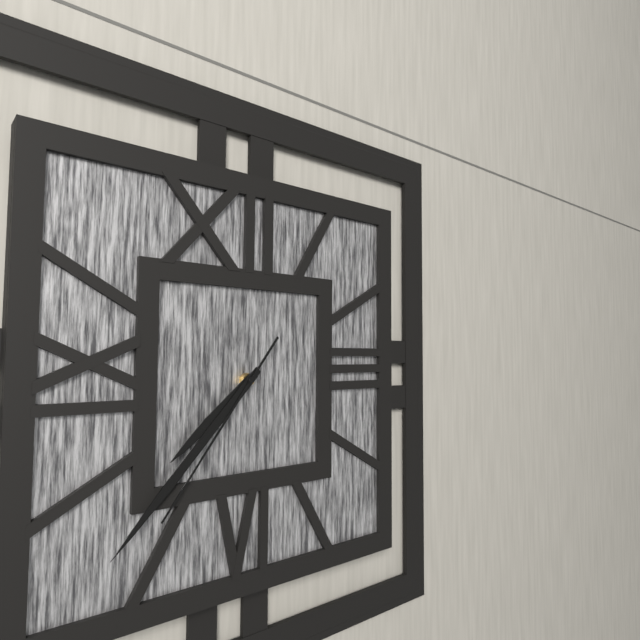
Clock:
7 h 37 min 36 s
